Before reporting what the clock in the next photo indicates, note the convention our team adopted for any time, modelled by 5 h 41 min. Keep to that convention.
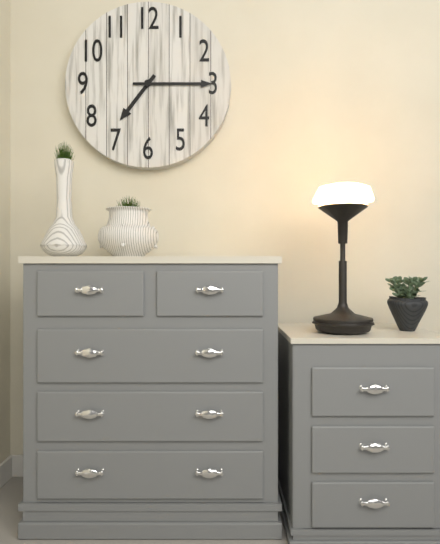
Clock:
7 h 15 min
